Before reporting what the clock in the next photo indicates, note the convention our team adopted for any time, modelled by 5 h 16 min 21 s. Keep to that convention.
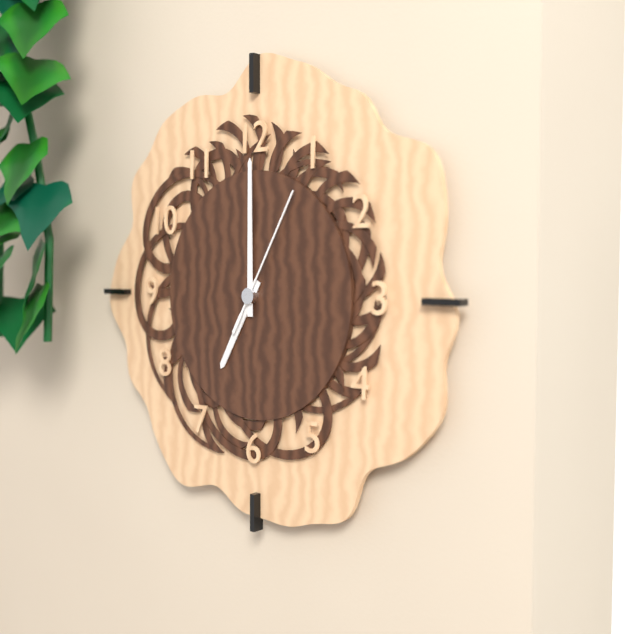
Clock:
7 h 00 min 05 s
